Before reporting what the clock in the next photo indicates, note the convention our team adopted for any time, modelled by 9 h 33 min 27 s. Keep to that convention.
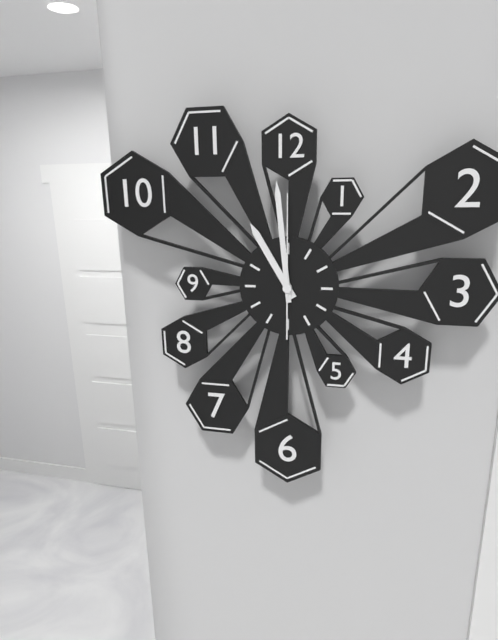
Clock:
10 h 59 min 00 s
